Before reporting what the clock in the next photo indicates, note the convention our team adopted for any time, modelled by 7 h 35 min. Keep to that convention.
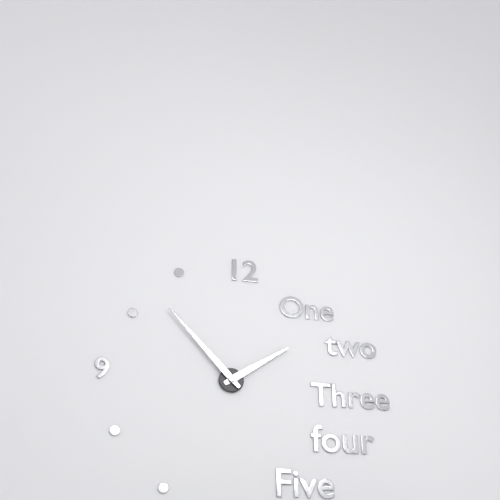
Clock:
1 h 53 min
